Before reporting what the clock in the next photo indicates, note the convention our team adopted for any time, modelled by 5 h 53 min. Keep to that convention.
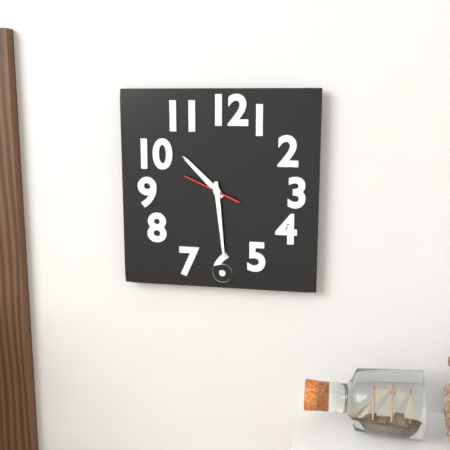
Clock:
10 h 29 min
